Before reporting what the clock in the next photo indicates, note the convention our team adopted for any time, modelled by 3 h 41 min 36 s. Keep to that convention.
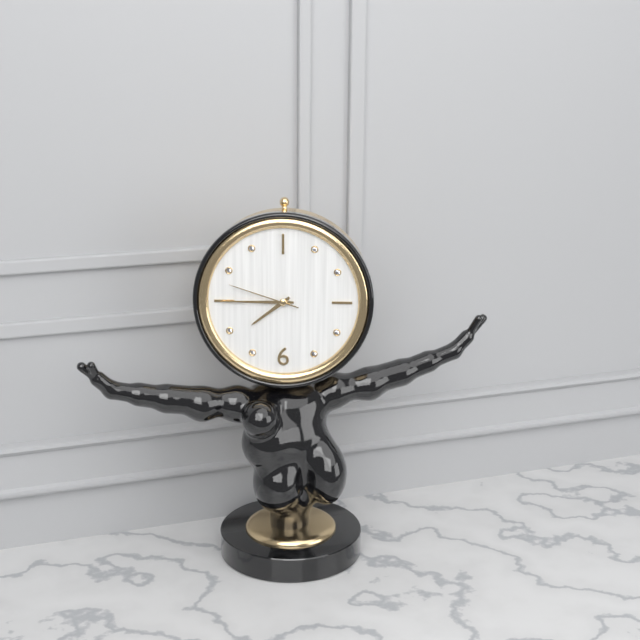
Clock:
7 h 45 min 48 s
